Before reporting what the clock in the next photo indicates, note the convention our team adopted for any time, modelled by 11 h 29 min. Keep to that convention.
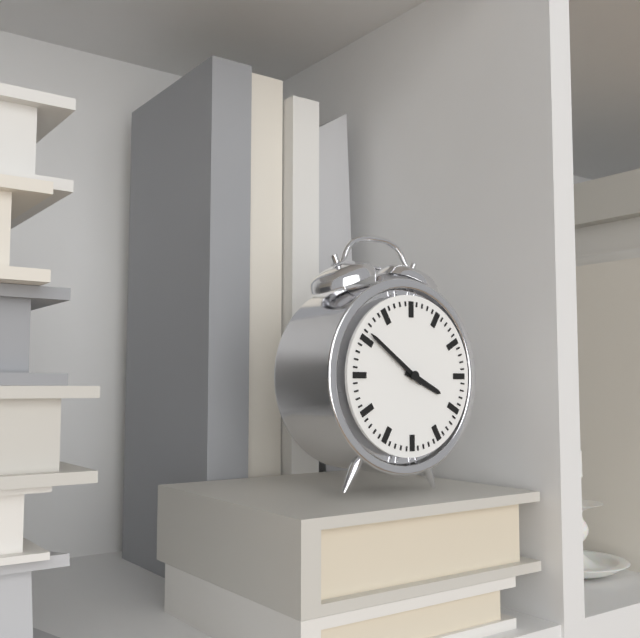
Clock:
3 h 51 min
